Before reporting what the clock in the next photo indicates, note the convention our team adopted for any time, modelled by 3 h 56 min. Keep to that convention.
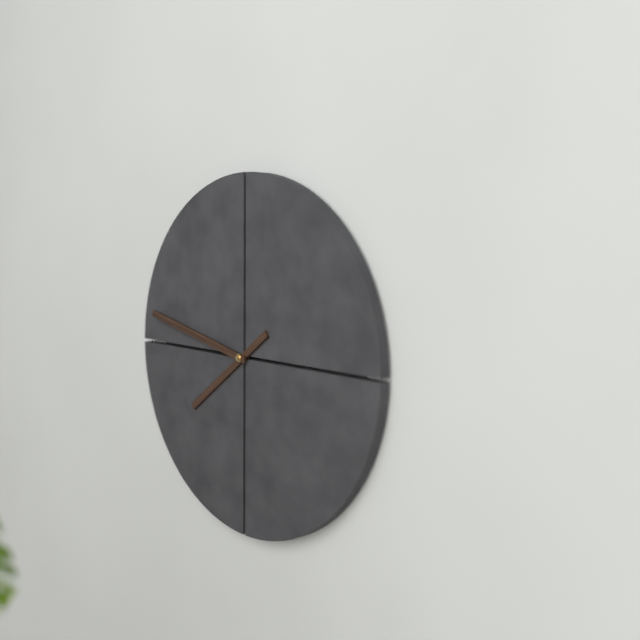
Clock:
7 h 47 min
